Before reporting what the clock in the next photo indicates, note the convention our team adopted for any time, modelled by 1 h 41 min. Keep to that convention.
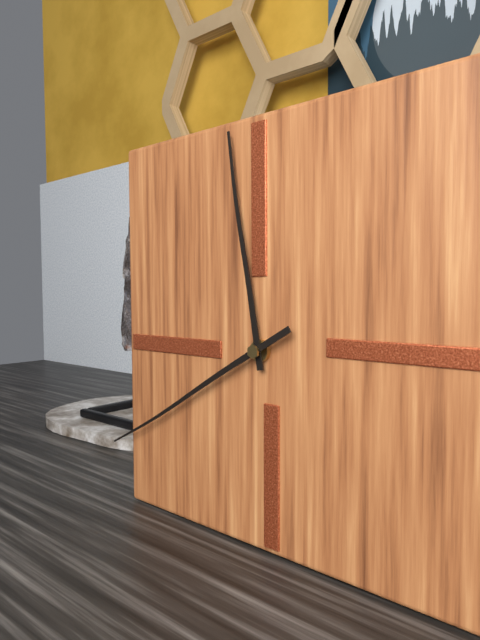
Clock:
11 h 40 min
